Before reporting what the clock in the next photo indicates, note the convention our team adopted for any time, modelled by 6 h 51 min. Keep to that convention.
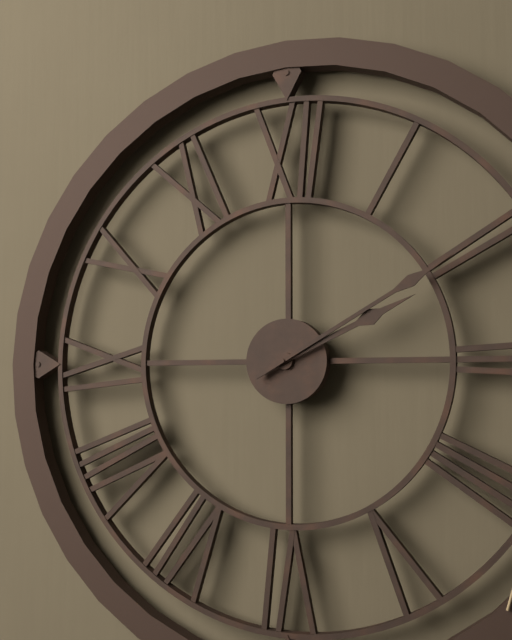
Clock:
2 h 10 min
